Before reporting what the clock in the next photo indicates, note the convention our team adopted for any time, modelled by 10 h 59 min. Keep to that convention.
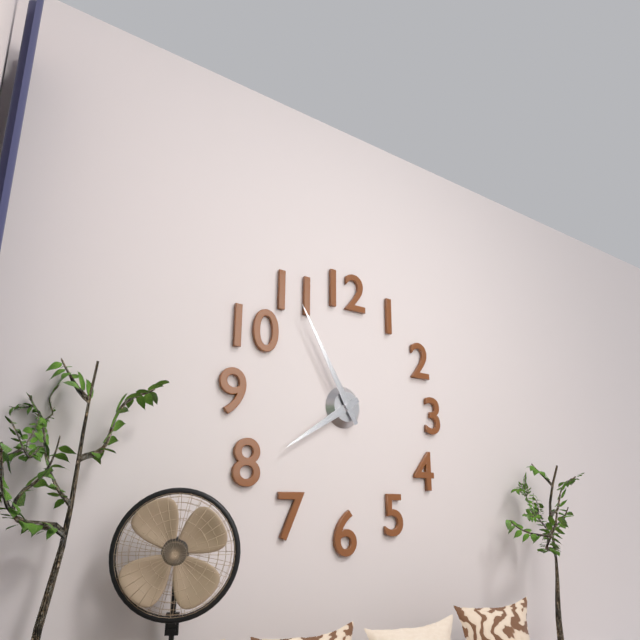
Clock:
7 h 55 min
